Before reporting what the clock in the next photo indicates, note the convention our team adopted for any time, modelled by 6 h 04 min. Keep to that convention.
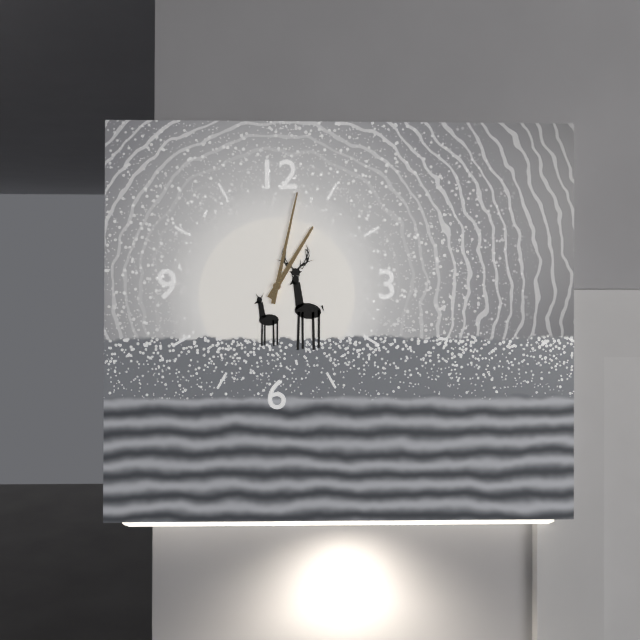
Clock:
1 h 02 min
